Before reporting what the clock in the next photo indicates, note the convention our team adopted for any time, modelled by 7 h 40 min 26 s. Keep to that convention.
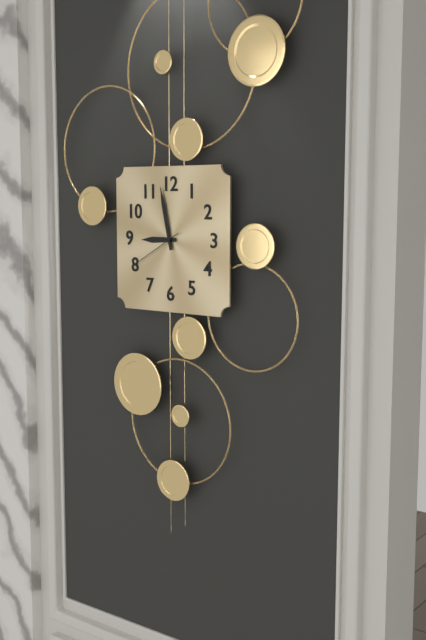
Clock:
8 h 58 min 40 s
